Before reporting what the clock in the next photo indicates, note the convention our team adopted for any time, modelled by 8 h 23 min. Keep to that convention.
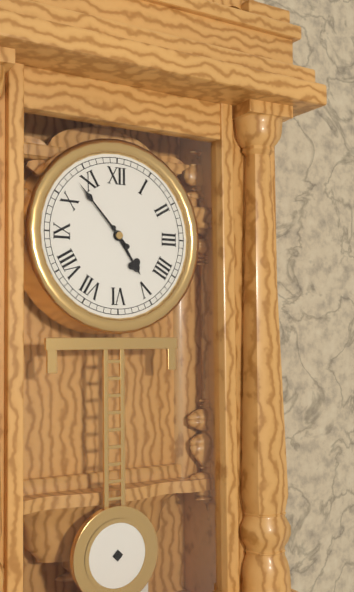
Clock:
4 h 53 min
